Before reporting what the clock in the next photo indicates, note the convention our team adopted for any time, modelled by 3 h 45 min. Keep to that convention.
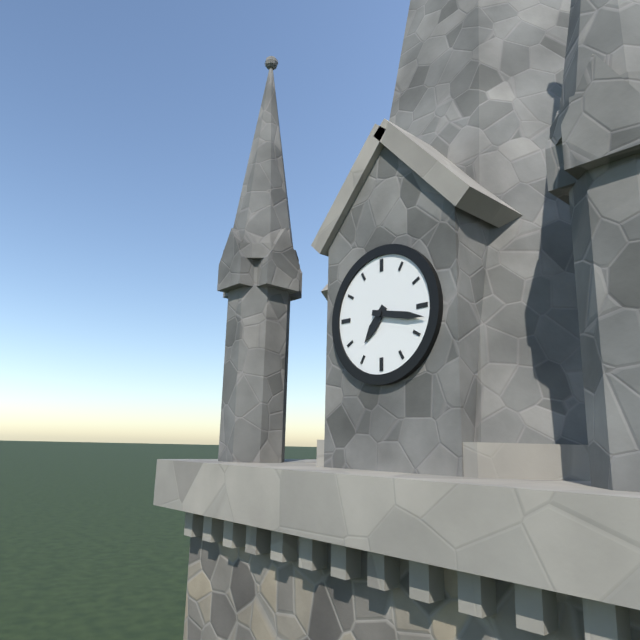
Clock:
7 h 17 min
